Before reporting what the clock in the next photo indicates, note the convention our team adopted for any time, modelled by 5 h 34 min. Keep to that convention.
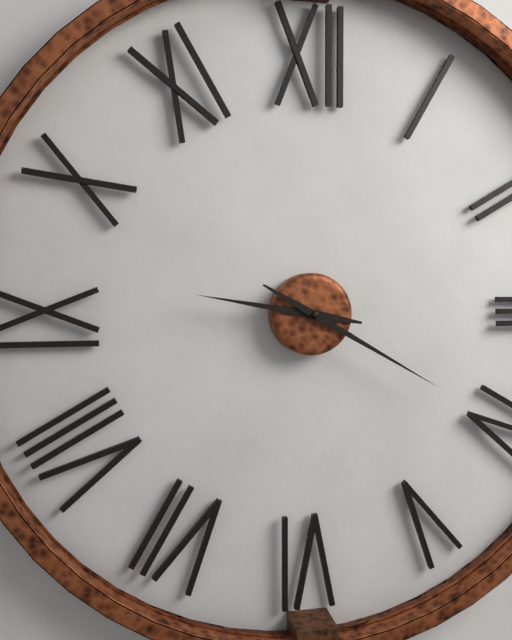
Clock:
9 h 20 min
